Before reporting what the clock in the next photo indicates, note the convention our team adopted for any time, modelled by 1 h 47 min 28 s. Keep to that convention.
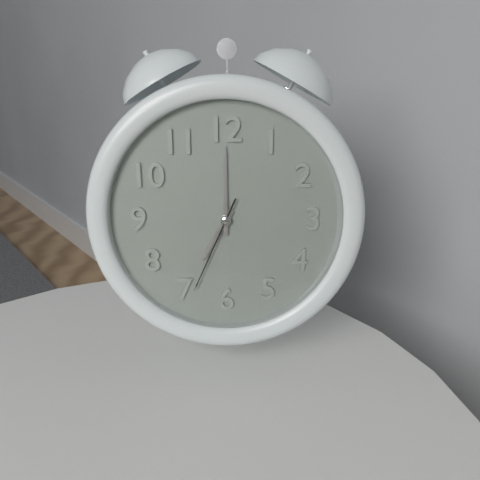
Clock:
7 h 00 min 34 s
